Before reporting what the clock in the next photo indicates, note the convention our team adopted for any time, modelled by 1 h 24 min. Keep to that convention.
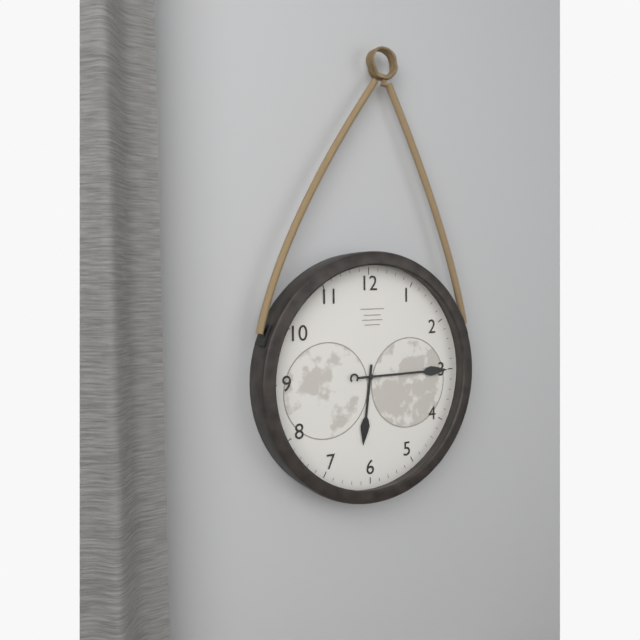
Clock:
6 h 15 min
